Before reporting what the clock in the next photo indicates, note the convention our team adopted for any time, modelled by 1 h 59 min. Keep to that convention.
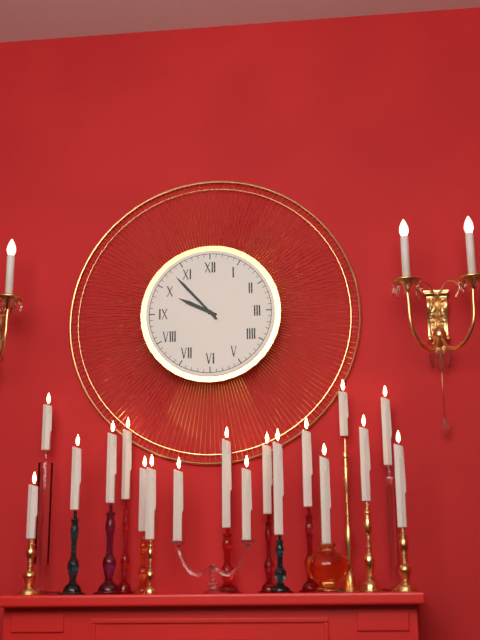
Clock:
9 h 53 min
